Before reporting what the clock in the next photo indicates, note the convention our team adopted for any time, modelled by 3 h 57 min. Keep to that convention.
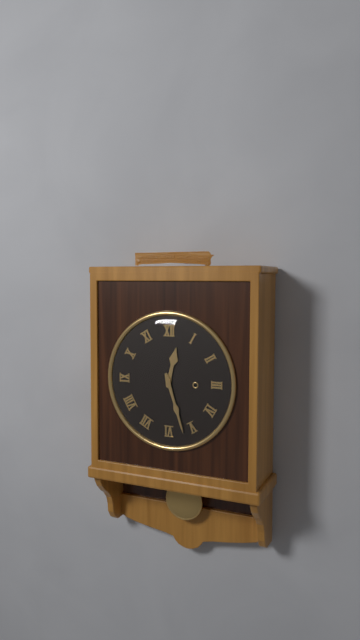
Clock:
12 h 27 min
